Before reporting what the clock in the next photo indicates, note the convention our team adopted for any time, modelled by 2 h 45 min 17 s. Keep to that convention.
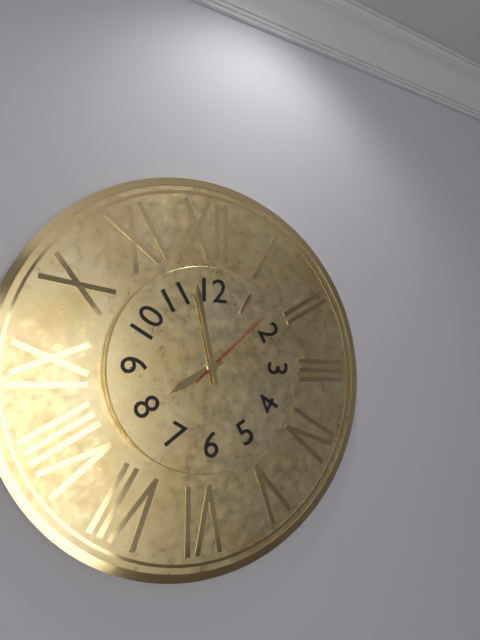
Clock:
7 h 58 min 08 s
